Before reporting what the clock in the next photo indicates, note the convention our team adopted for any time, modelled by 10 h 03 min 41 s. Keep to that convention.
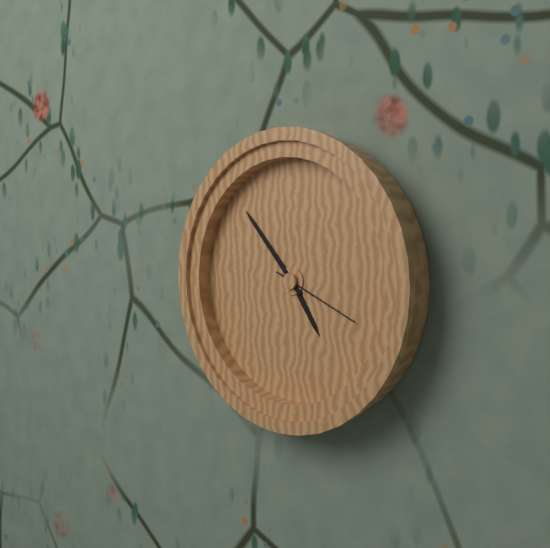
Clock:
4 h 53 min 19 s
